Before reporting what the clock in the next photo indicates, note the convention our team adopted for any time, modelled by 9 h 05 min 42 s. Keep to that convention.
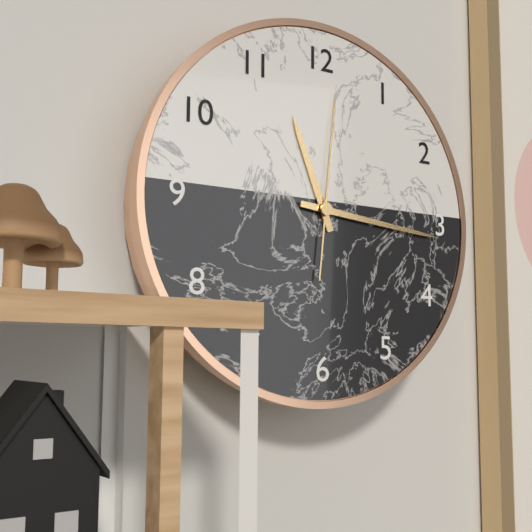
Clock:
11 h 16 min 01 s
